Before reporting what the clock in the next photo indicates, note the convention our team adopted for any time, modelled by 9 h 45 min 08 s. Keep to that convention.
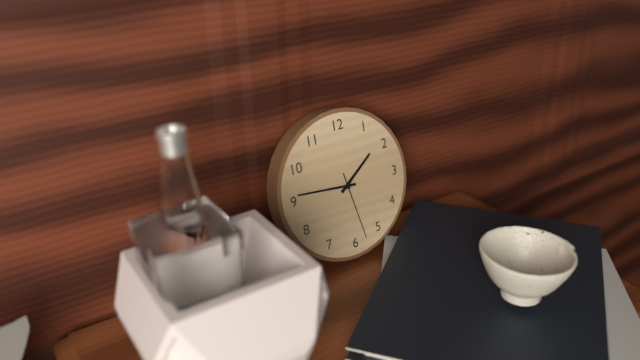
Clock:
1 h 46 min 28 s
